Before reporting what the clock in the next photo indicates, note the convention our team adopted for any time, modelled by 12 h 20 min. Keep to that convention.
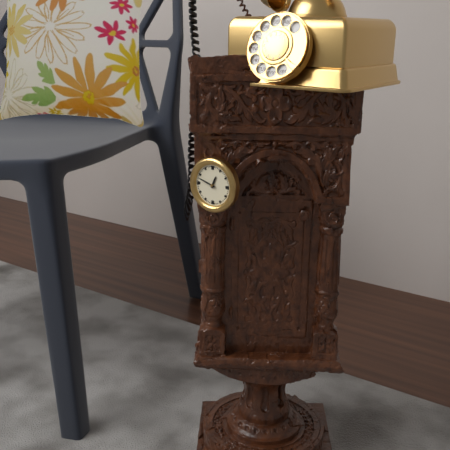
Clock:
12 h 48 min
